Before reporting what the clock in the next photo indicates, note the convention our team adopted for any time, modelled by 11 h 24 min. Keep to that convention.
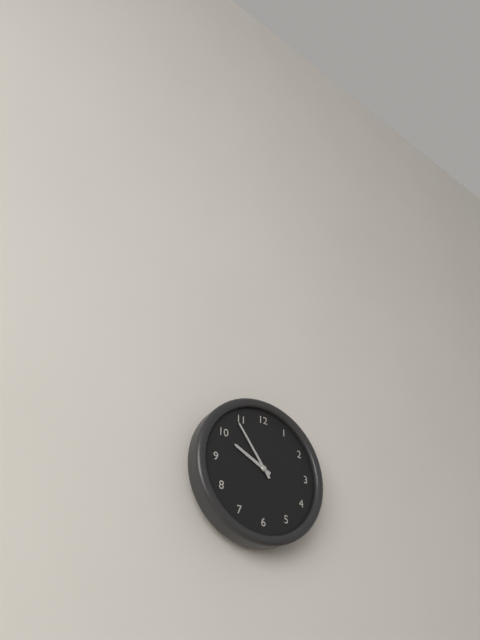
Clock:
9 h 54 min
